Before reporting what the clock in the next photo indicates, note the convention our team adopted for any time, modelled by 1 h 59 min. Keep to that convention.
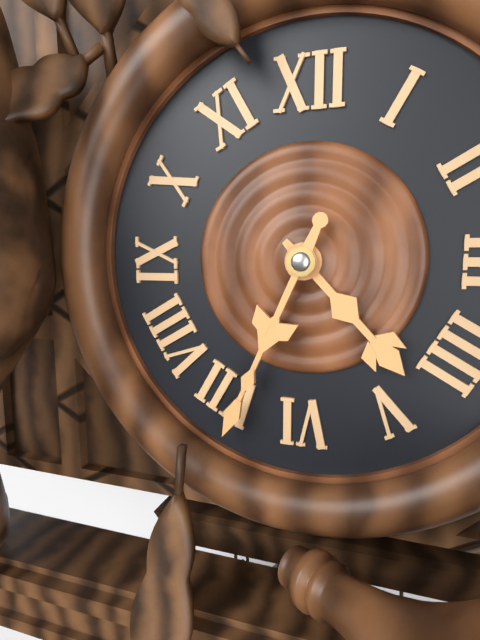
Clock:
4 h 34 min
